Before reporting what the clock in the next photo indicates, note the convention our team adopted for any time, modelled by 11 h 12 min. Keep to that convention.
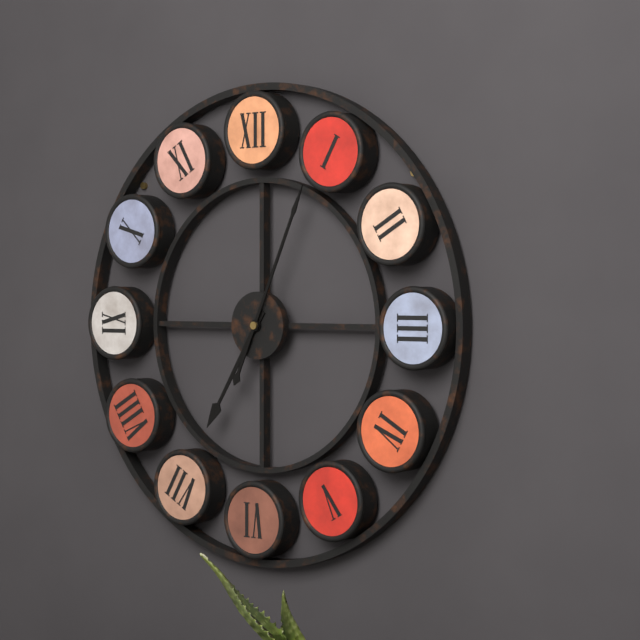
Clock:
7 h 04 min
